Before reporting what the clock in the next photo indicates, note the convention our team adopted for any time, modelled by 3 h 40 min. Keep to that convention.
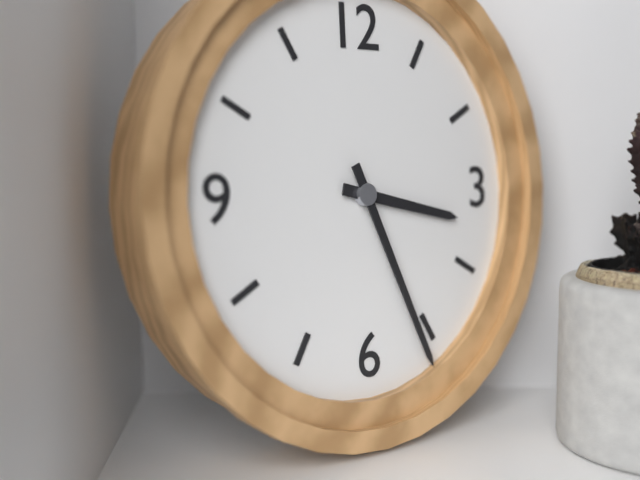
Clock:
3 h 26 min
